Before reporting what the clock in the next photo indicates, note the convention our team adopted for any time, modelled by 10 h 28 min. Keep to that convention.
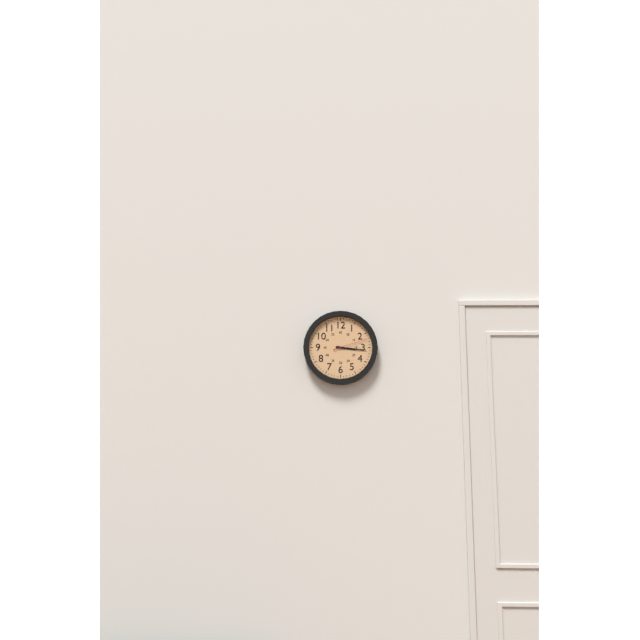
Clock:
3 h 16 min
